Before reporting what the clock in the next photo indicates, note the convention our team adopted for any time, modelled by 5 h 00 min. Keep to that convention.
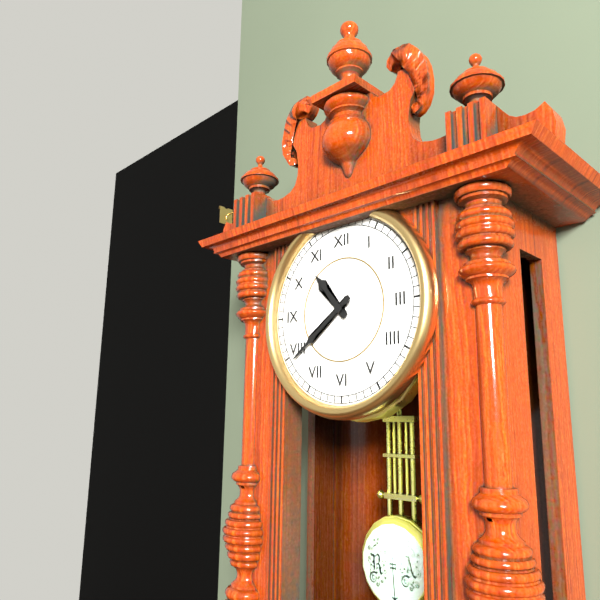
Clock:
10 h 39 min
